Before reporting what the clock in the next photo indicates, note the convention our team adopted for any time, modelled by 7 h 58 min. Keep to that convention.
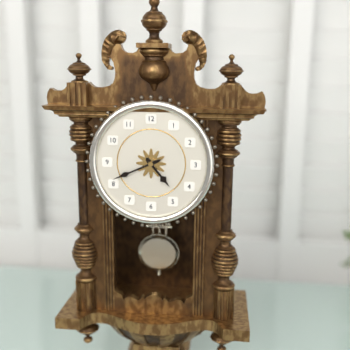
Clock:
4 h 41 min
